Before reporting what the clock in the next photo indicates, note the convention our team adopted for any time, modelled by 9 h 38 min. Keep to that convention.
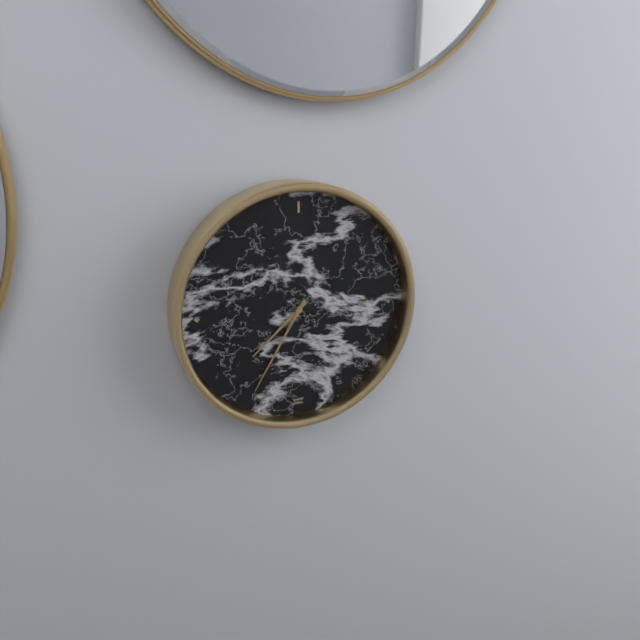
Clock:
7 h 35 min
